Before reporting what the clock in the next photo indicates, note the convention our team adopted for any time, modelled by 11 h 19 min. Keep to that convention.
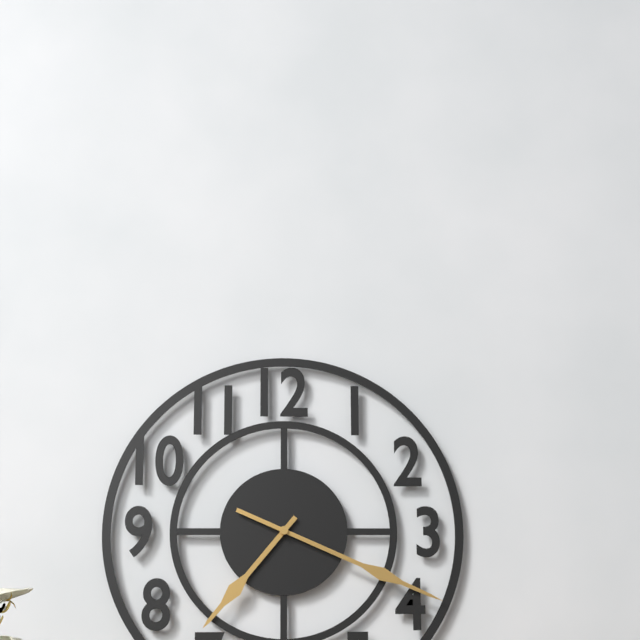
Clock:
7 h 19 min
